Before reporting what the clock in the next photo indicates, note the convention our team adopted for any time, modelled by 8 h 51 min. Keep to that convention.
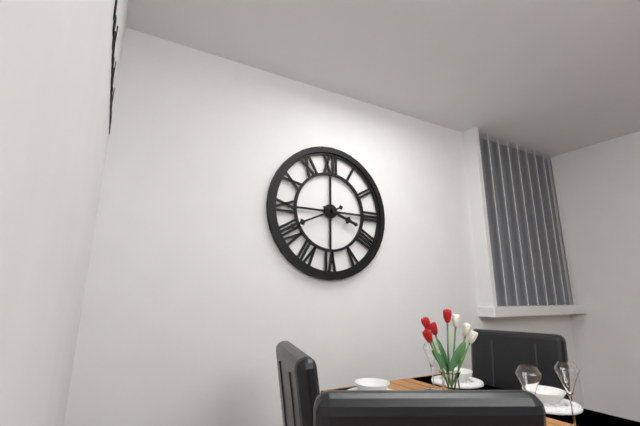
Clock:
3 h 41 min
